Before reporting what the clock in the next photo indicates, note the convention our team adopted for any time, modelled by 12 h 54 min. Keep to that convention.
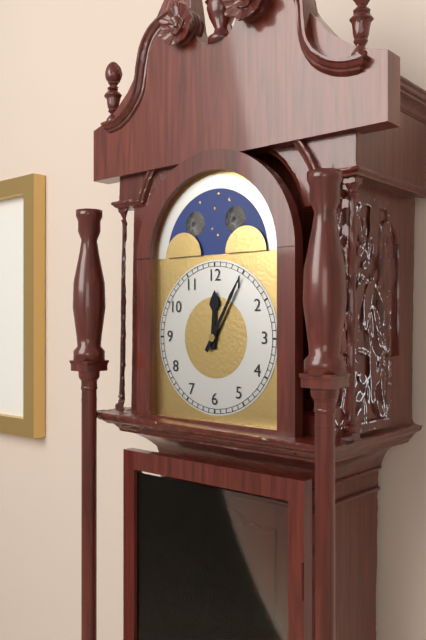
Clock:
12 h 05 min
